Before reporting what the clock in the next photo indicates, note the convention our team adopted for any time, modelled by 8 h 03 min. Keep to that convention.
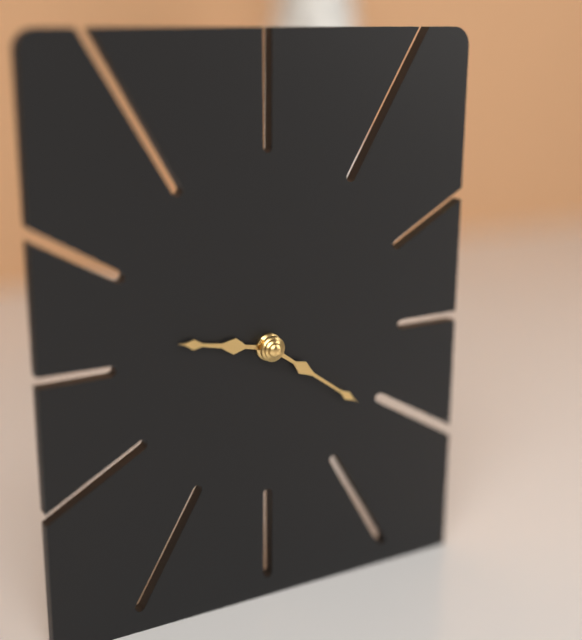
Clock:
9 h 21 min
